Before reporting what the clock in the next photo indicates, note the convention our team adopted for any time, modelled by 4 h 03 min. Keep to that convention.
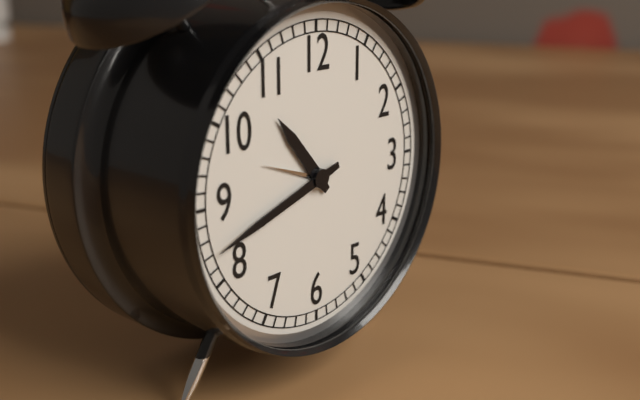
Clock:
10 h 42 min
